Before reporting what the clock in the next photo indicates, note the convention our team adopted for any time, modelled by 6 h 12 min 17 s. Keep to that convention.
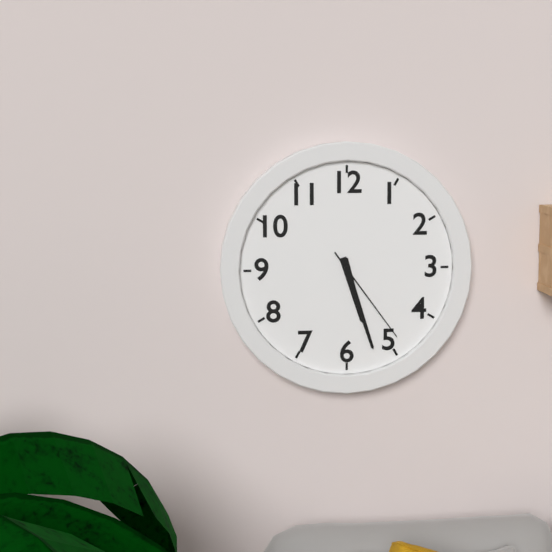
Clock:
5 h 27 min 24 s
